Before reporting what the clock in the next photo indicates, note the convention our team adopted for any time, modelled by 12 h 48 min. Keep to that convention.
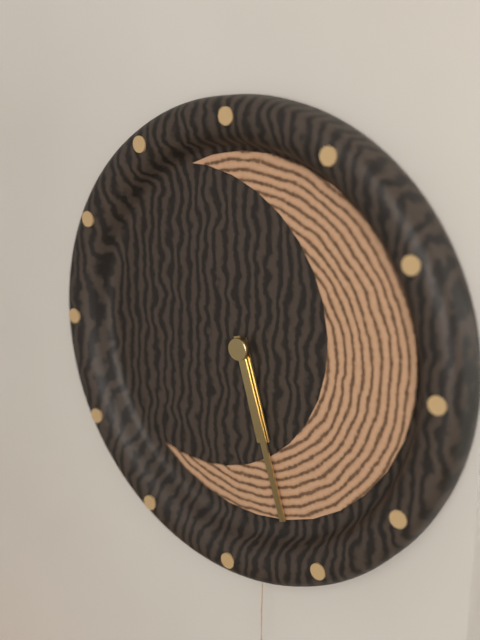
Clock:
5 h 27 min
